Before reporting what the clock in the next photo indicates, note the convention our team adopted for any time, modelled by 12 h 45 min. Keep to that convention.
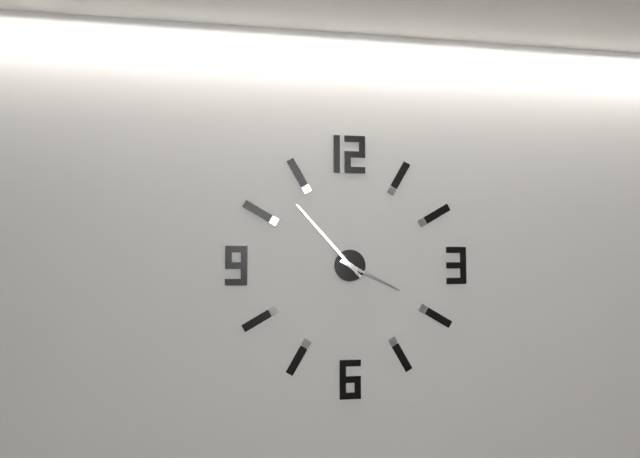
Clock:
3 h 53 min
